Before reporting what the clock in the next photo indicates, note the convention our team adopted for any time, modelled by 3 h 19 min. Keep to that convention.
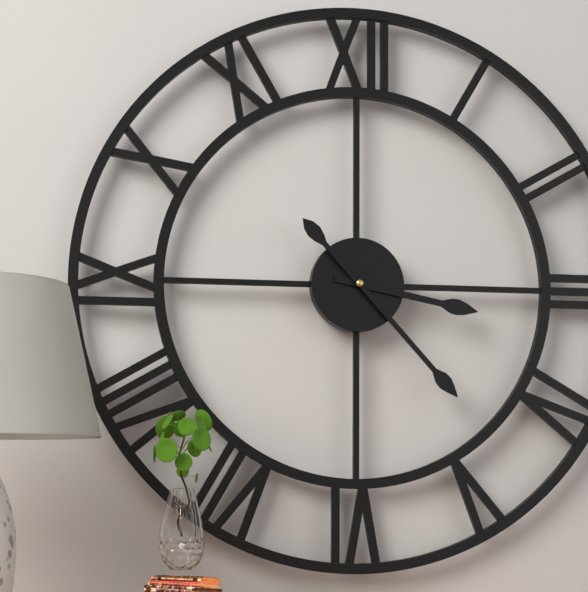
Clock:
3 h 23 min
